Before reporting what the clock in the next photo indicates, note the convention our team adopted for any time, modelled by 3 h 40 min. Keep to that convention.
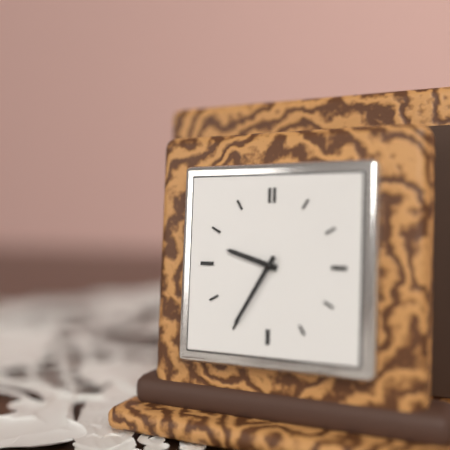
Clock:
9 h 35 min
